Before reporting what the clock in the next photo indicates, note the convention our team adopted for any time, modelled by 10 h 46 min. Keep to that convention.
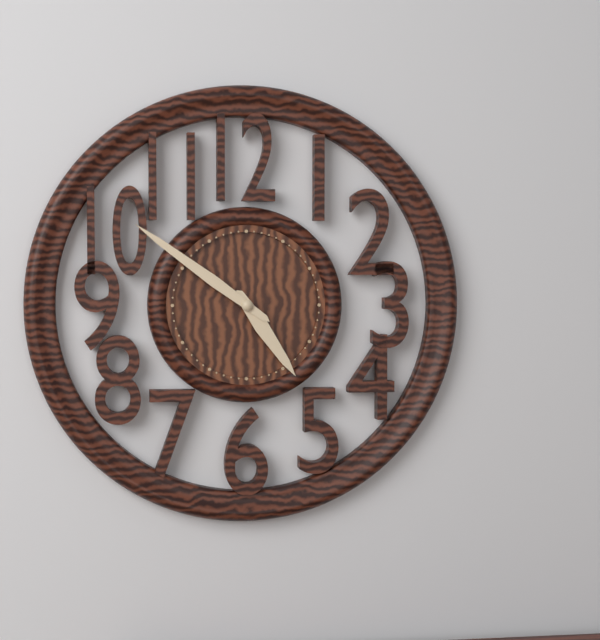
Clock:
4 h 51 min
